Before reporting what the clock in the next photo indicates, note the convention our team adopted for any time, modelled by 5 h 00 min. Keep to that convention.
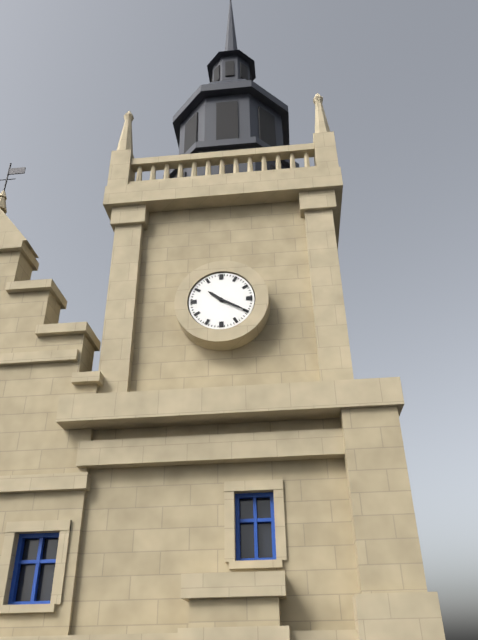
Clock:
10 h 20 min
